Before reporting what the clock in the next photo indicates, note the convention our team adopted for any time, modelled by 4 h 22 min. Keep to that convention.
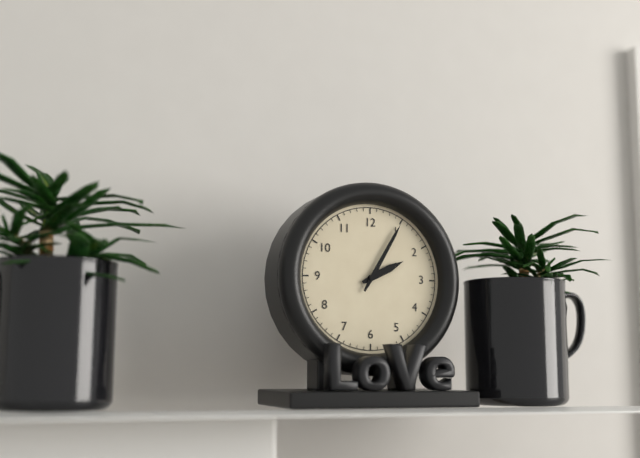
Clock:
2 h 05 min
